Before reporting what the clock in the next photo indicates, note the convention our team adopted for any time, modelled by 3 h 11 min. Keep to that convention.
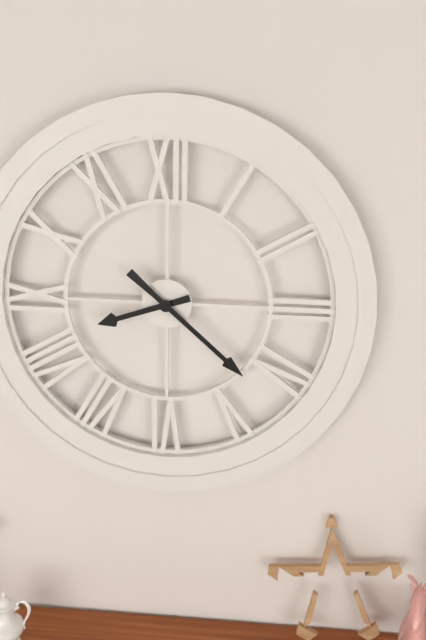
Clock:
8 h 22 min
